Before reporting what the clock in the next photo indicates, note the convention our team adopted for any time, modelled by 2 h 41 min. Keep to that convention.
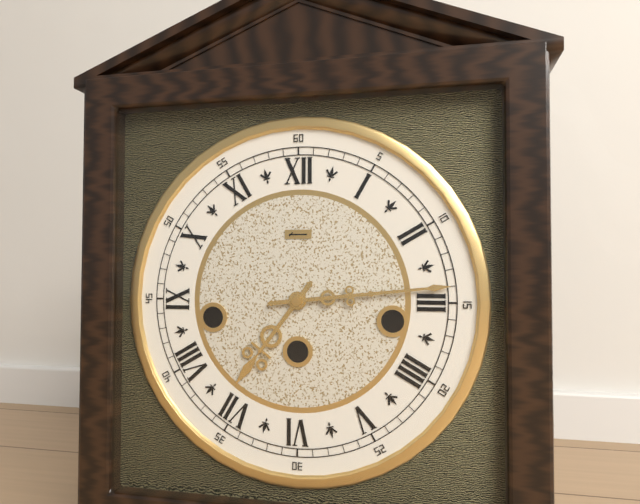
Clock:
7 h 14 min
